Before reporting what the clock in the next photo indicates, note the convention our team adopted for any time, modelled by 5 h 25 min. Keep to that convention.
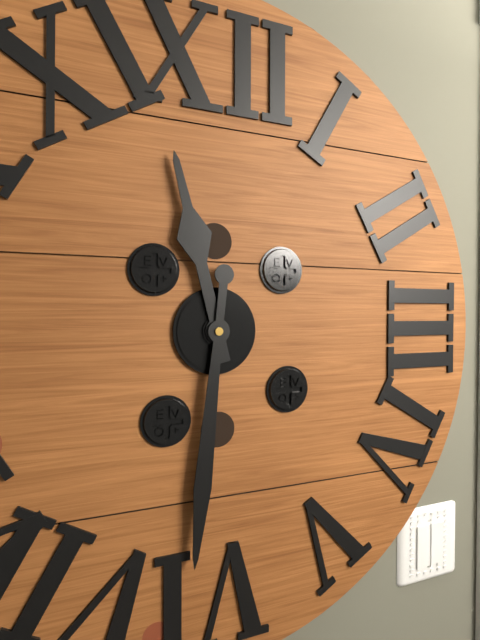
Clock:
11 h 31 min
